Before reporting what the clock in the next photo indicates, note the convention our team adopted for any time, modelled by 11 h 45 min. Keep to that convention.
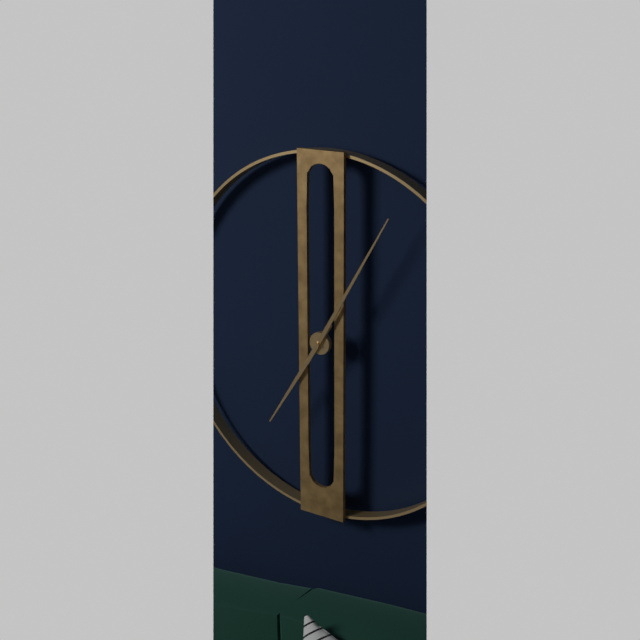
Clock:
7 h 05 min
